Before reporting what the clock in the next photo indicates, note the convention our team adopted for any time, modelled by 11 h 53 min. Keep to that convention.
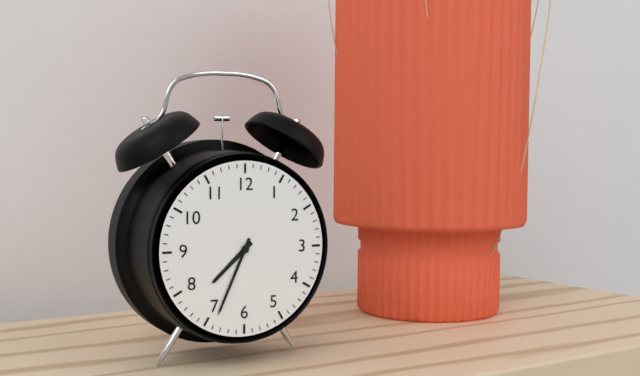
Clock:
7 h 34 min
